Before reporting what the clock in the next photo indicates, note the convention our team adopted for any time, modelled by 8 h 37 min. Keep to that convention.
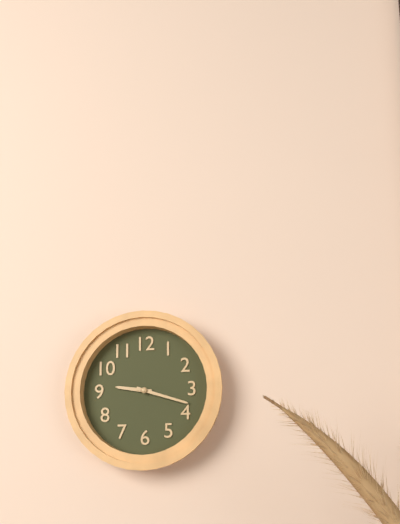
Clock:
9 h 18 min
